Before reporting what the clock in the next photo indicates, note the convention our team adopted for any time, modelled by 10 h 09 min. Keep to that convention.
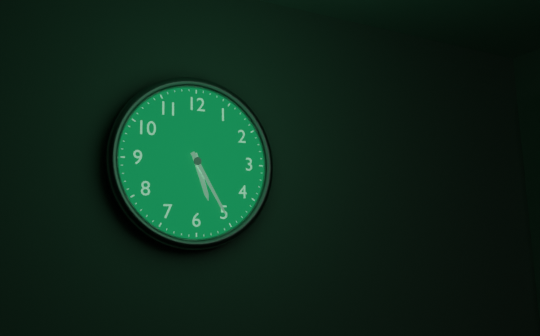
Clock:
5 h 25 min
